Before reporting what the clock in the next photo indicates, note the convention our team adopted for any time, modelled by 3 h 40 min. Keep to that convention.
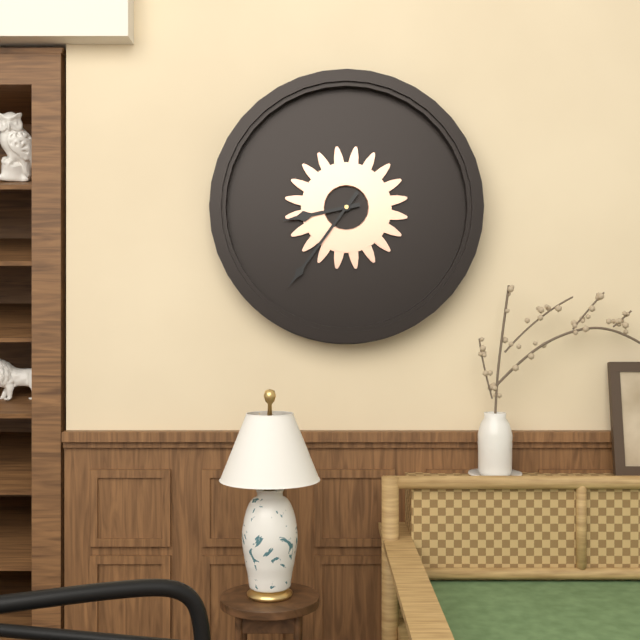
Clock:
8 h 36 min
